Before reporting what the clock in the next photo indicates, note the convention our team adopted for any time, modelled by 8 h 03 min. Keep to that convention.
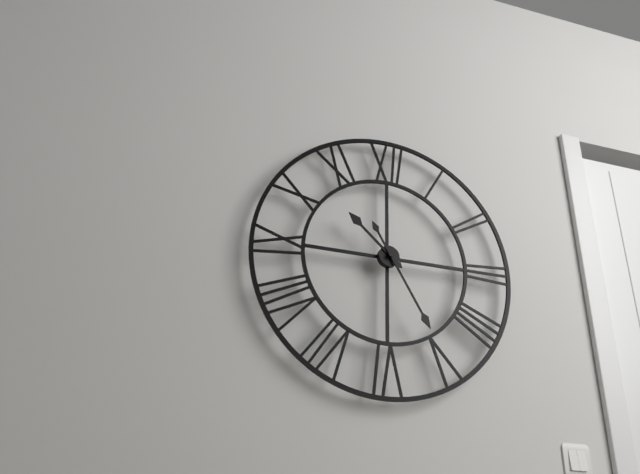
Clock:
10 h 25 min
